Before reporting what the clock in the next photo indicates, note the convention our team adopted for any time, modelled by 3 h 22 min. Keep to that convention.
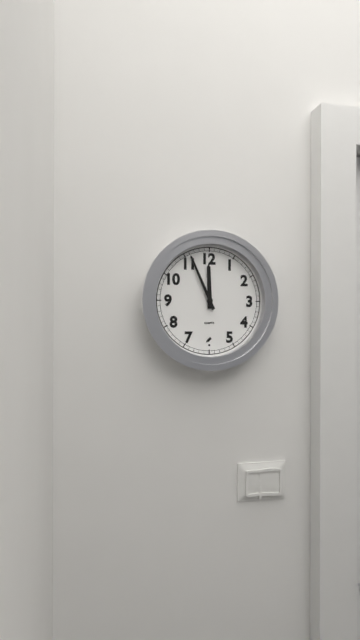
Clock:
11 h 56 min
